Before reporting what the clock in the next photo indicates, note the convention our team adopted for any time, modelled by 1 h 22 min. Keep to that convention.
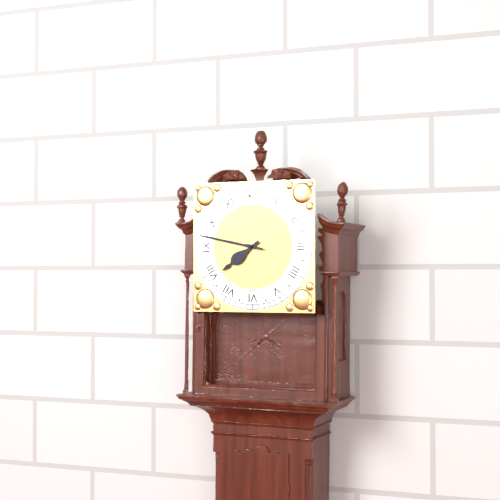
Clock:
7 h 47 min
